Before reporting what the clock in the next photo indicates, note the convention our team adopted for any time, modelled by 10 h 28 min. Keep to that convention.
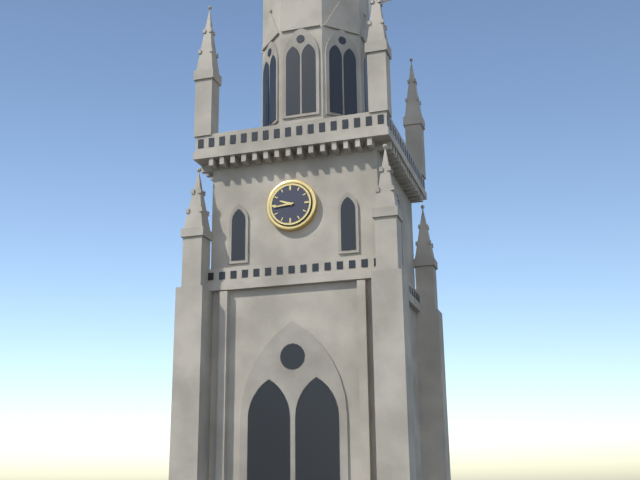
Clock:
9 h 44 min
